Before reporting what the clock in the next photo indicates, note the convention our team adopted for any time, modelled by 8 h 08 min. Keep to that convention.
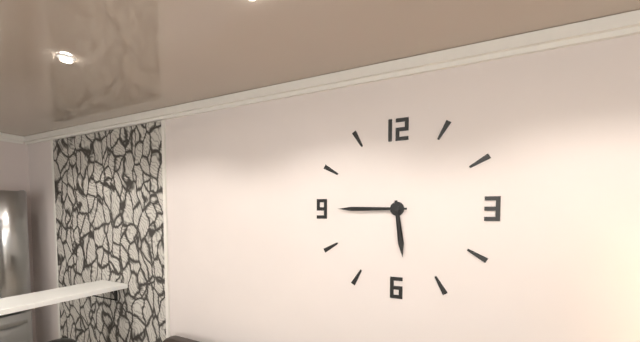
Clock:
5 h 45 min
